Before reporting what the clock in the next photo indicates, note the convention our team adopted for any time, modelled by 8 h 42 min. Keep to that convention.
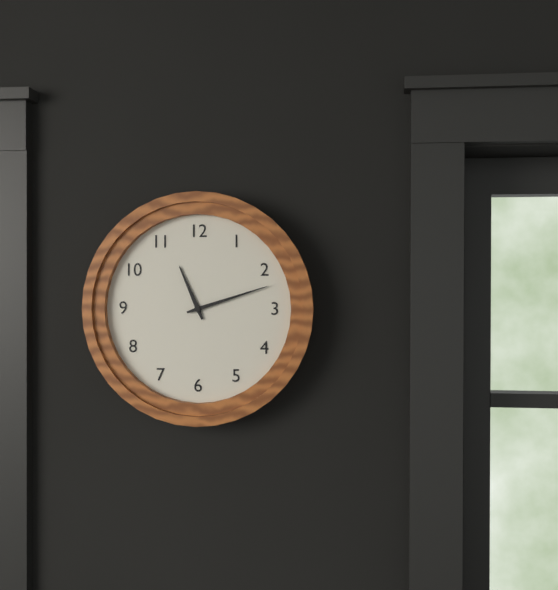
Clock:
11 h 12 min
